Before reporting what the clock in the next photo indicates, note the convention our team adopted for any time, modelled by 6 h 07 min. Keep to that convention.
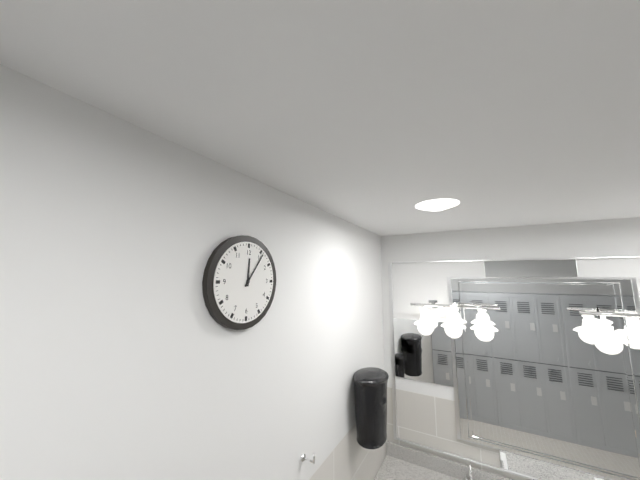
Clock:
12 h 06 min
